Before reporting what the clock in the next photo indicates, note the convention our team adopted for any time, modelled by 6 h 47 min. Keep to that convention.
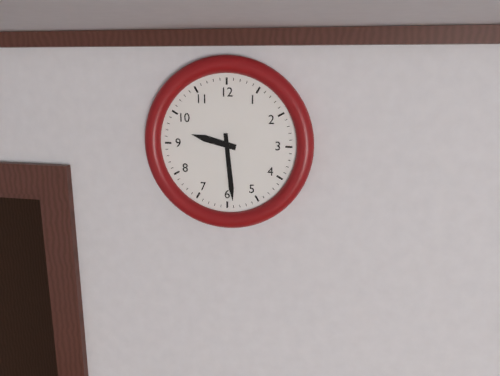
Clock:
9 h 29 min
